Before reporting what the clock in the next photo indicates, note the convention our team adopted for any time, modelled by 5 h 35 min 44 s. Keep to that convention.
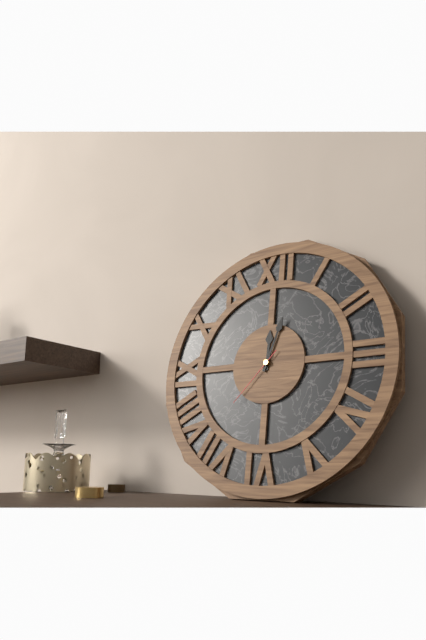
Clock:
12 h 03 min 37 s
